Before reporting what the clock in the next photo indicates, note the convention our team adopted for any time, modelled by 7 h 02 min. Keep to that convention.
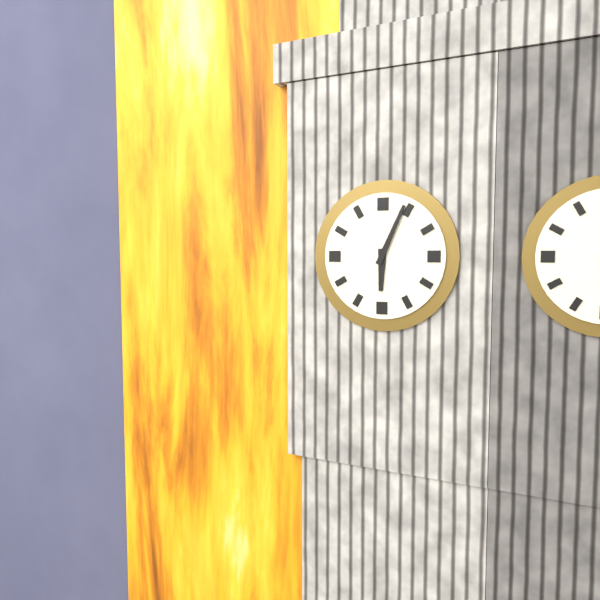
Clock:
6 h 04 min
